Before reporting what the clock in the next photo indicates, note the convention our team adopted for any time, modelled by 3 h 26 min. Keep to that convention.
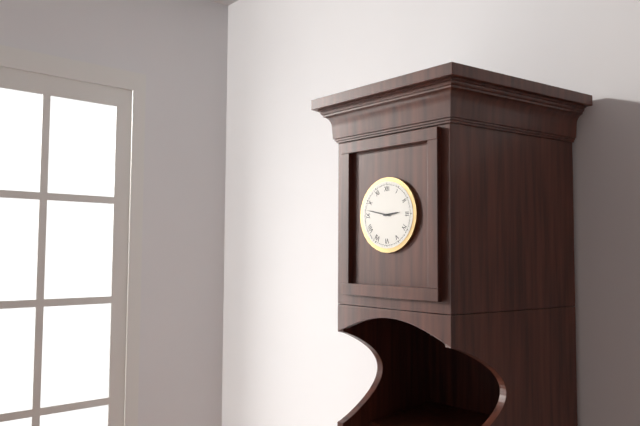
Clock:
2 h 47 min
